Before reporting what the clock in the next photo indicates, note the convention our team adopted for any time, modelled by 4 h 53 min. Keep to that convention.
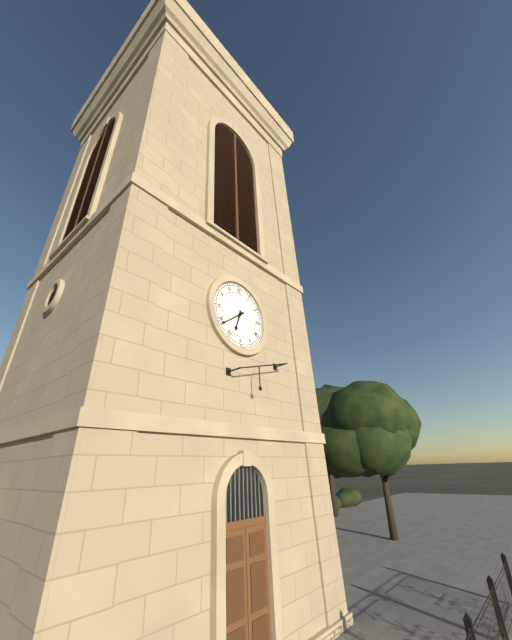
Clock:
6 h 39 min
